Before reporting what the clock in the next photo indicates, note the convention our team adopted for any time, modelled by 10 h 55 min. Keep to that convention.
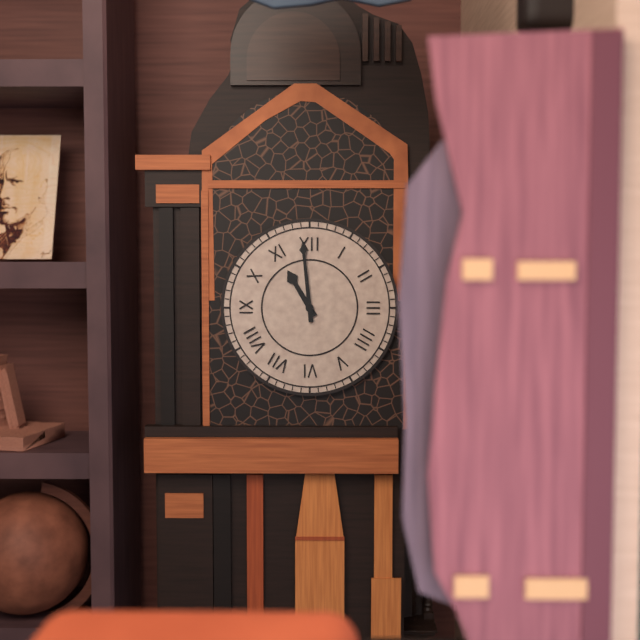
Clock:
10 h 59 min
